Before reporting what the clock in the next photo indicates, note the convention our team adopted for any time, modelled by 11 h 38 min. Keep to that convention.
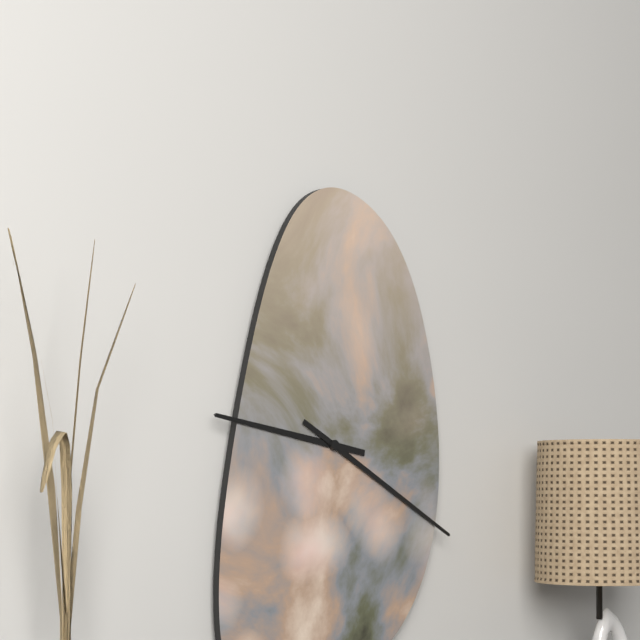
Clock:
9 h 20 min
